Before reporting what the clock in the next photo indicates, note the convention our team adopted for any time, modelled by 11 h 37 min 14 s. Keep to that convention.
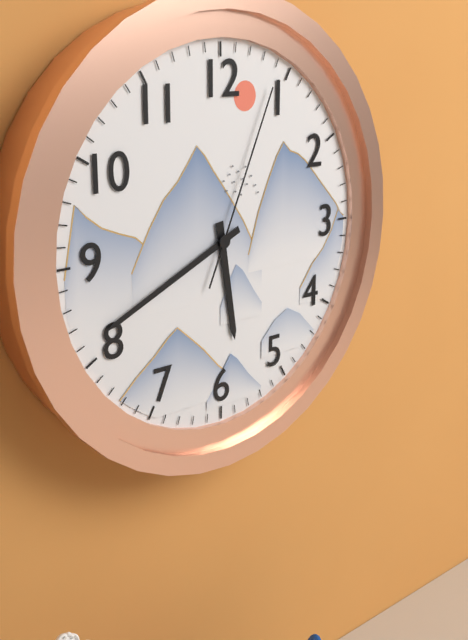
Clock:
5 h 41 min 04 s
